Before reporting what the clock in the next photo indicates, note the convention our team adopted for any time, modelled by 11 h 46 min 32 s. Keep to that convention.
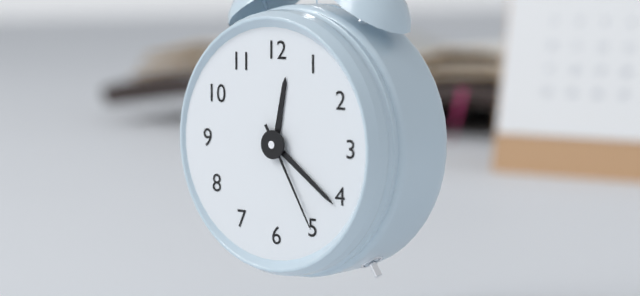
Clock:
12 h 21 min 25 s
